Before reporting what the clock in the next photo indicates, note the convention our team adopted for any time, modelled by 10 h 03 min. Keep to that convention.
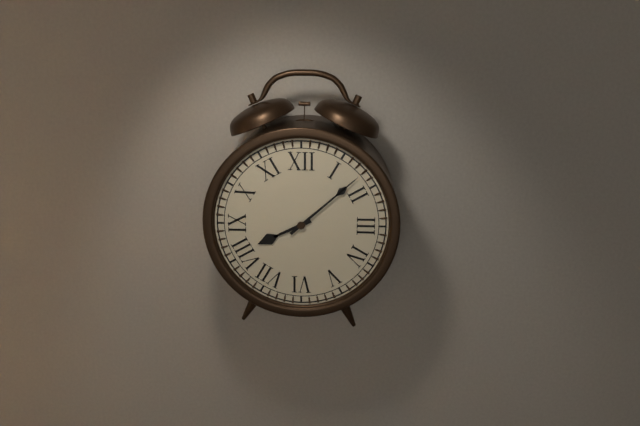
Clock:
8 h 08 min
